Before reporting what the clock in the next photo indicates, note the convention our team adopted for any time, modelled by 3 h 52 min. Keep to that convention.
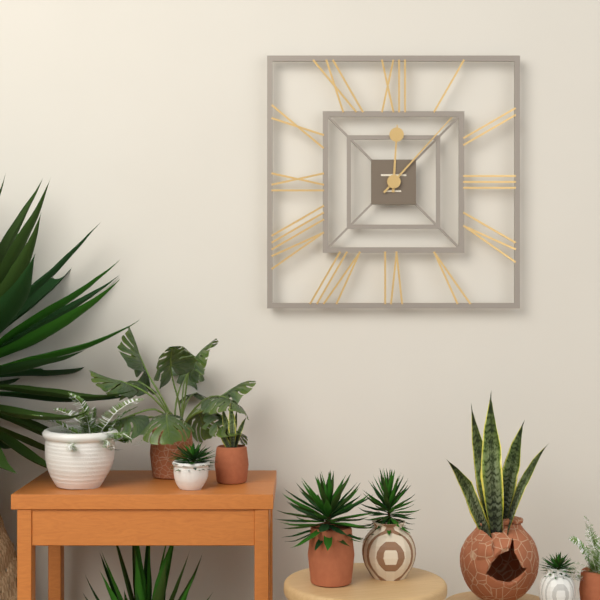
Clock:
12 h 07 min
